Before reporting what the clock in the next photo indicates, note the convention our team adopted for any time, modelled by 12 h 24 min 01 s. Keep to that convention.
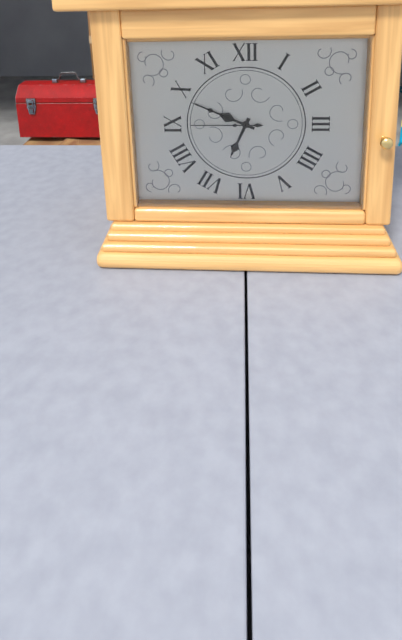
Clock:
6 h 49 min 45 s
